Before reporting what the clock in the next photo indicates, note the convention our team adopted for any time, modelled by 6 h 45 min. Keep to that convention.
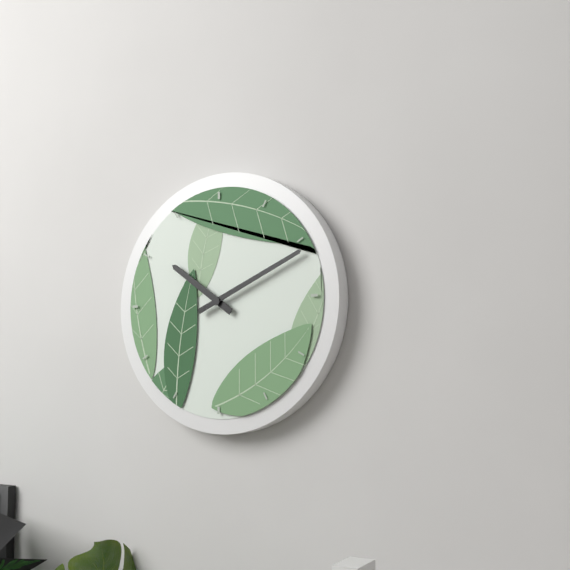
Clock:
10 h 11 min
